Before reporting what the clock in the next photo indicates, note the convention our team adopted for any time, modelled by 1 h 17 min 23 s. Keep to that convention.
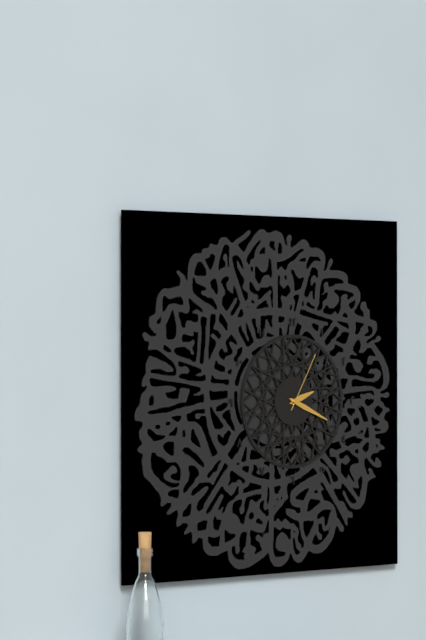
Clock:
2 h 19 min 05 s
